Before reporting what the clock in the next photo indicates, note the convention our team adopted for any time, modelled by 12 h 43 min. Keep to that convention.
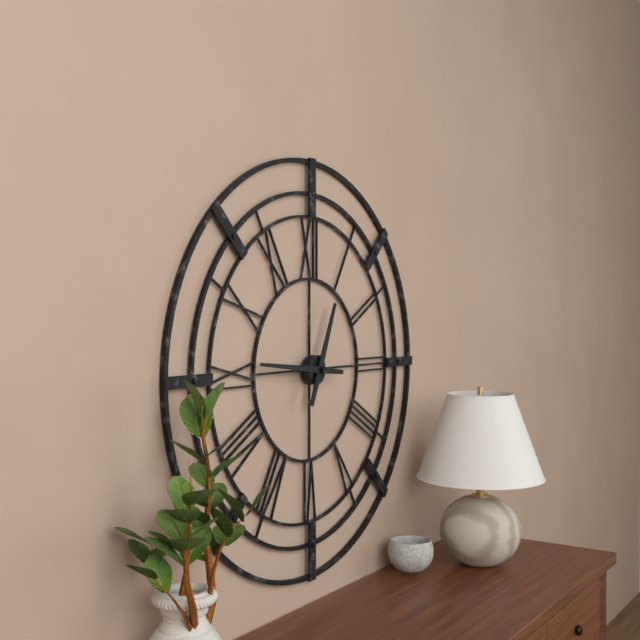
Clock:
12 h 46 min
